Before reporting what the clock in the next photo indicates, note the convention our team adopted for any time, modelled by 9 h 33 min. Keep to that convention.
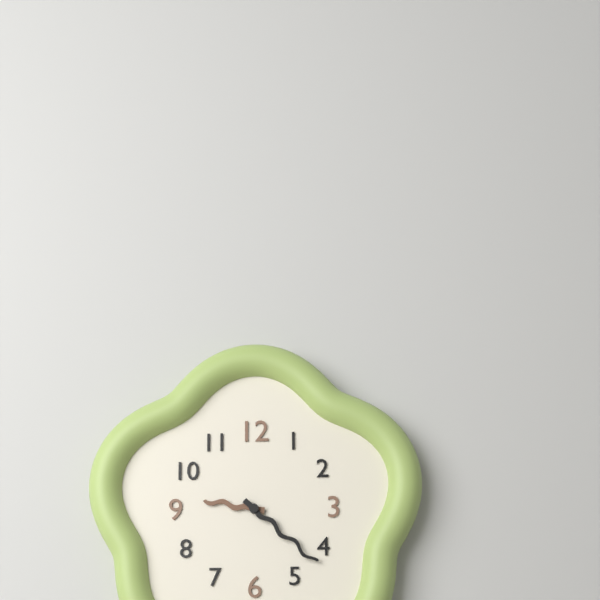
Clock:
9 h 22 min
